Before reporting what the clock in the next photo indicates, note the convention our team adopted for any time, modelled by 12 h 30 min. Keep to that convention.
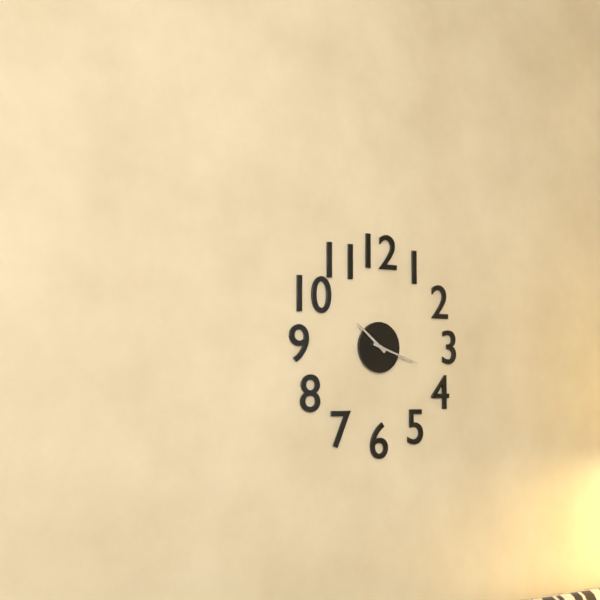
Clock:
10 h 18 min
